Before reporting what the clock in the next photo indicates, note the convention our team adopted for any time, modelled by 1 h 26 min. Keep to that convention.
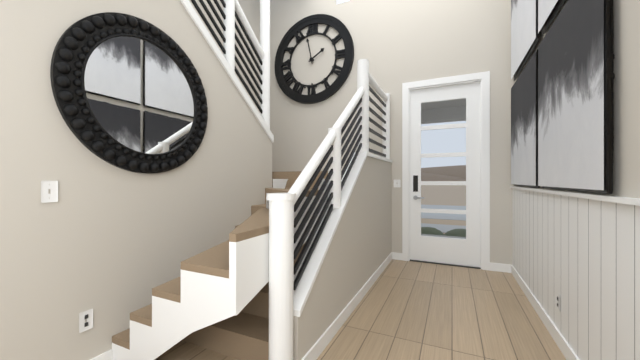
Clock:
1 h 58 min
